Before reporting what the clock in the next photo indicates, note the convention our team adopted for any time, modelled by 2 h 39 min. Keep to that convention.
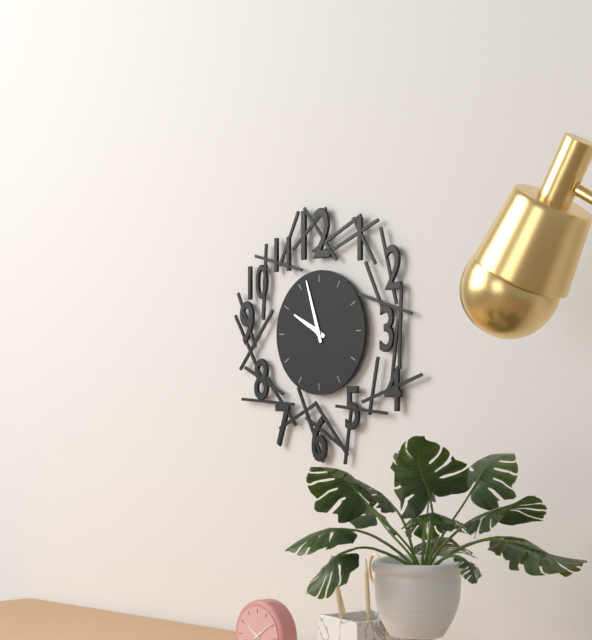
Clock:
9 h 57 min
